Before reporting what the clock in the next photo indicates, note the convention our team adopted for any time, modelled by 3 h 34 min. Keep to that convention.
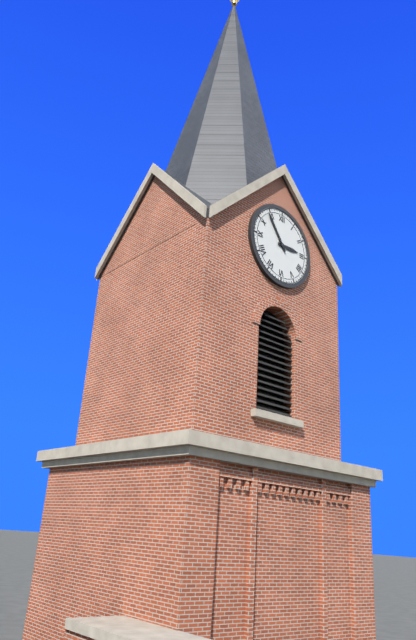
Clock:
2 h 54 min
